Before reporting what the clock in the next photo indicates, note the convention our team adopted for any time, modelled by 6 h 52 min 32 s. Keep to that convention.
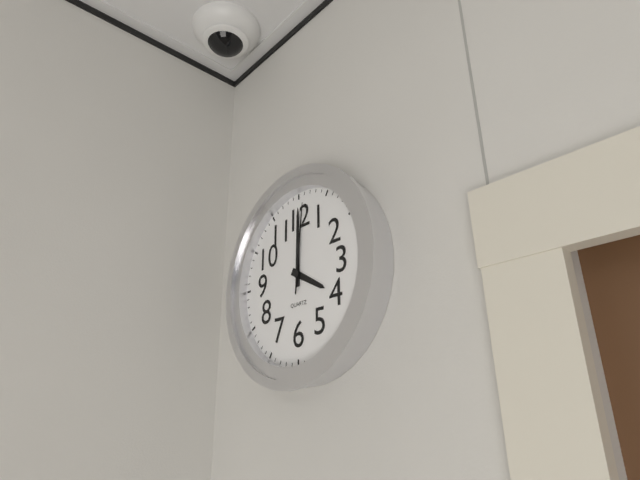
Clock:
4 h 00 min 01 s
